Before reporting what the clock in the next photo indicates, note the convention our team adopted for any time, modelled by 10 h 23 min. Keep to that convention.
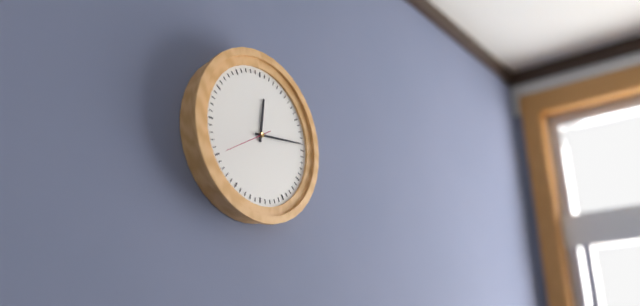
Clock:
12 h 14 min
